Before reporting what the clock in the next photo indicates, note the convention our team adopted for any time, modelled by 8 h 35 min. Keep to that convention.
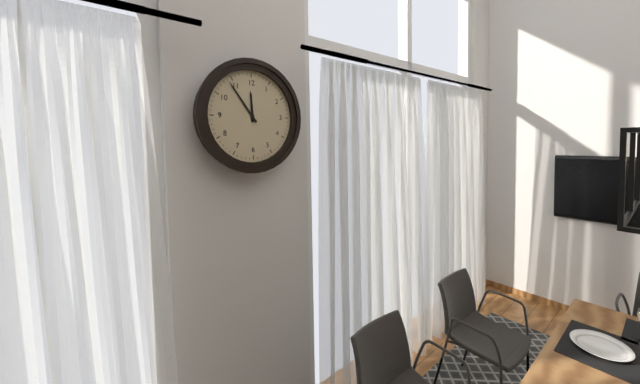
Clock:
11 h 54 min
